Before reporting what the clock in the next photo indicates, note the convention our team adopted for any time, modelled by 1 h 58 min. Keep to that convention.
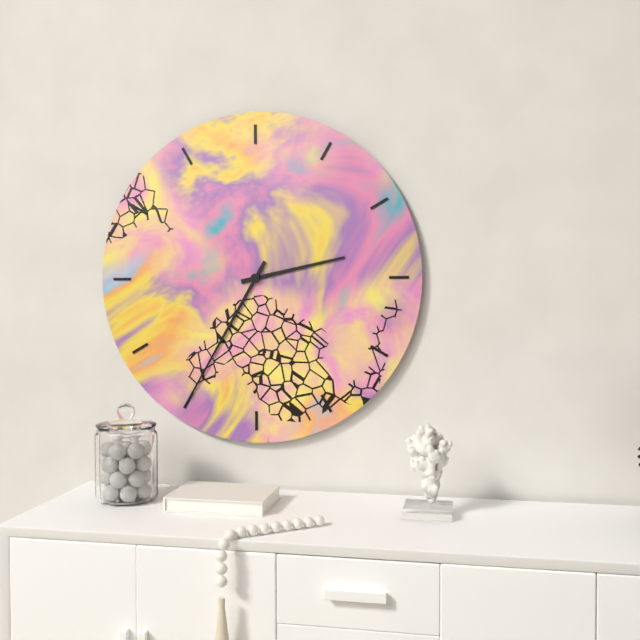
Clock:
2 h 35 min
